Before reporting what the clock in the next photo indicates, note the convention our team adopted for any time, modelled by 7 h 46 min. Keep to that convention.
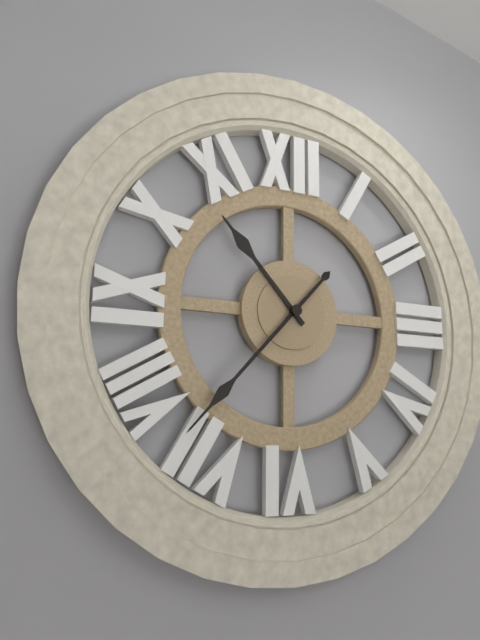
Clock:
10 h 37 min
